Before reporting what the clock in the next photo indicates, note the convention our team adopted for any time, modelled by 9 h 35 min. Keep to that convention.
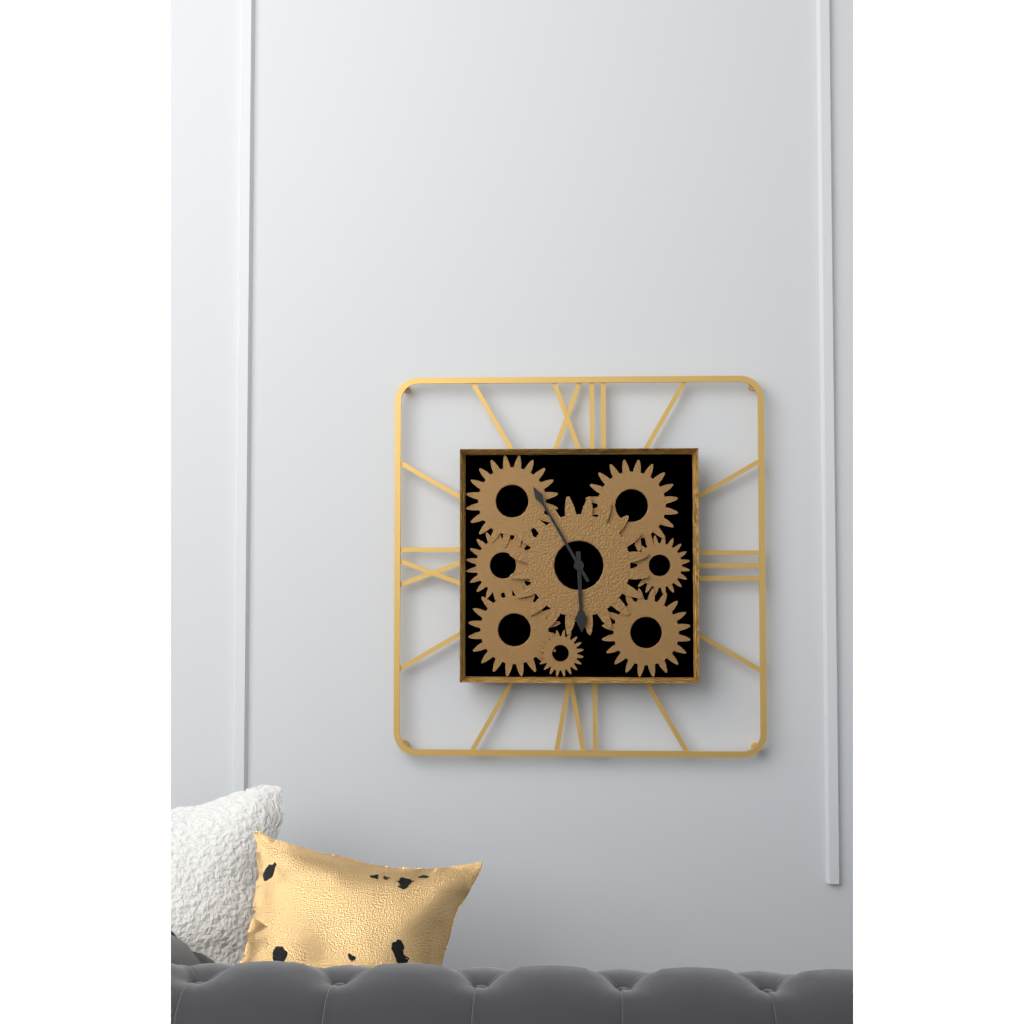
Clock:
5 h 55 min
